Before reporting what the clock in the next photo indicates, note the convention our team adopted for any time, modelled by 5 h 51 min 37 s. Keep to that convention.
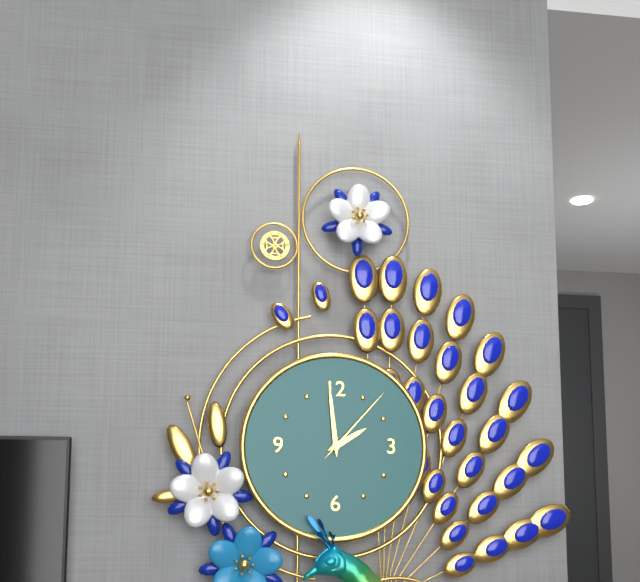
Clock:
1 h 59 min 07 s
